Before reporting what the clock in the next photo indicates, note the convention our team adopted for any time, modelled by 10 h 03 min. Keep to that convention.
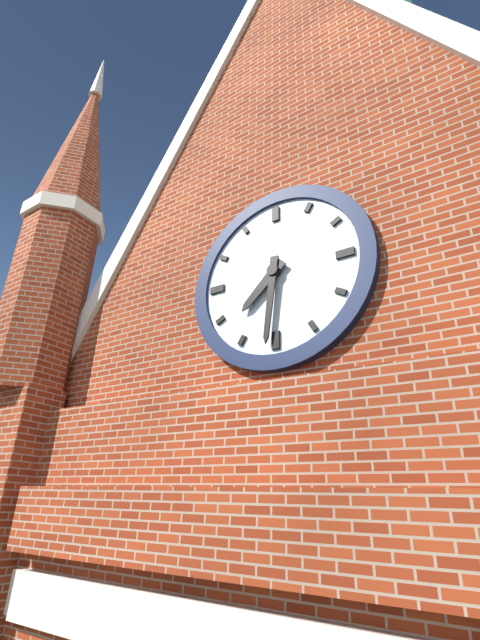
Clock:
7 h 31 min
